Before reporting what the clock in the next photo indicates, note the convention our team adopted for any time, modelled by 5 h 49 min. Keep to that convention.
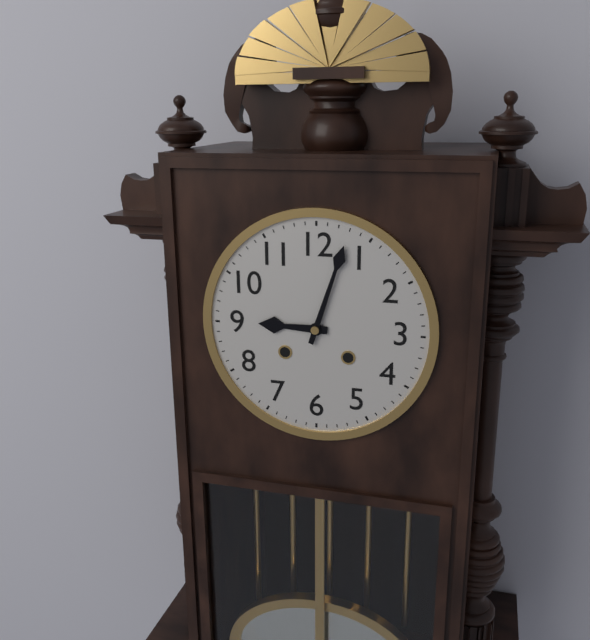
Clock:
9 h 03 min
